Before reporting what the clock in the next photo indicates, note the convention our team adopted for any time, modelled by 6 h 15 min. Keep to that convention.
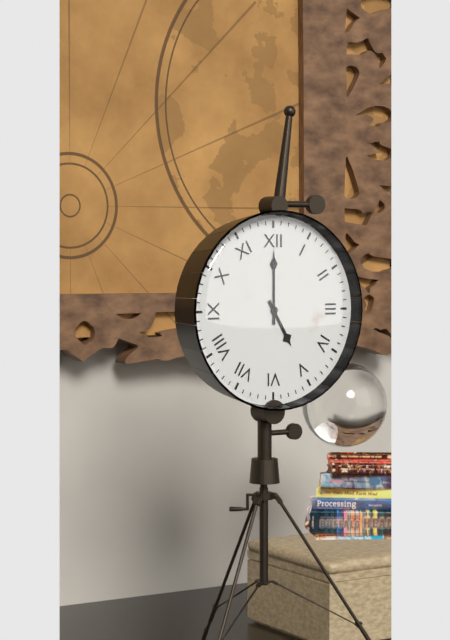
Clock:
5 h 00 min
